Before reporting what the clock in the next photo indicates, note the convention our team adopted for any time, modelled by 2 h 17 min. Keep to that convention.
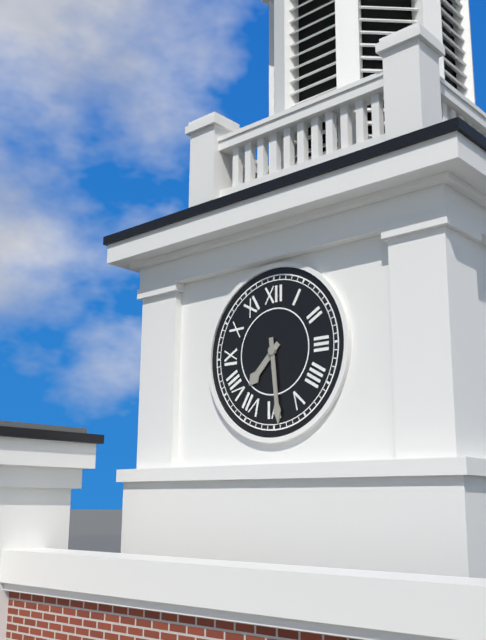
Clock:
7 h 29 min
